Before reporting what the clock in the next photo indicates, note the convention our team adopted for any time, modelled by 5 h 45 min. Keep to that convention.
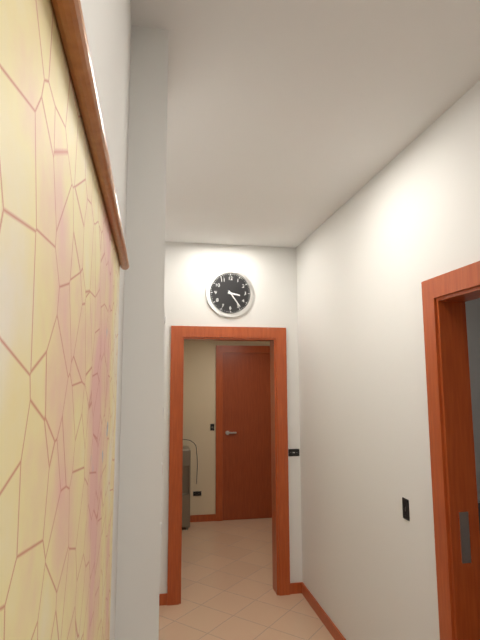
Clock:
3 h 24 min
